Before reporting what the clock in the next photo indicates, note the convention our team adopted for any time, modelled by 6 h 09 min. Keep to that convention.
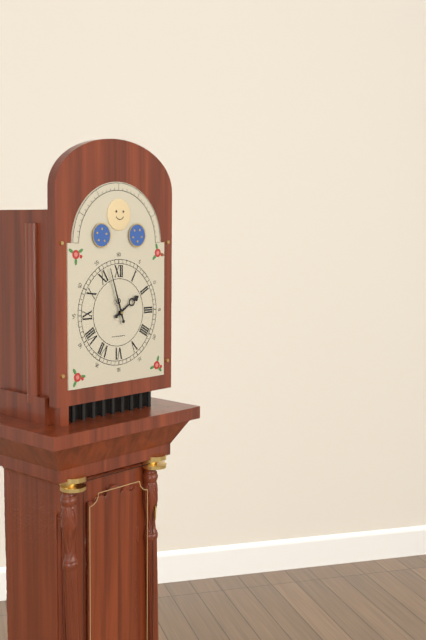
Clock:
1 h 57 min
